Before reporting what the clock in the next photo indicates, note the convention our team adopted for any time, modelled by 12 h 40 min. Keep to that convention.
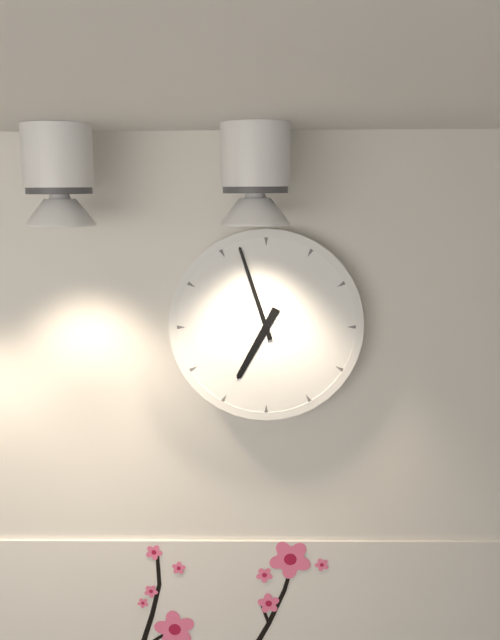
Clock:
6 h 57 min
